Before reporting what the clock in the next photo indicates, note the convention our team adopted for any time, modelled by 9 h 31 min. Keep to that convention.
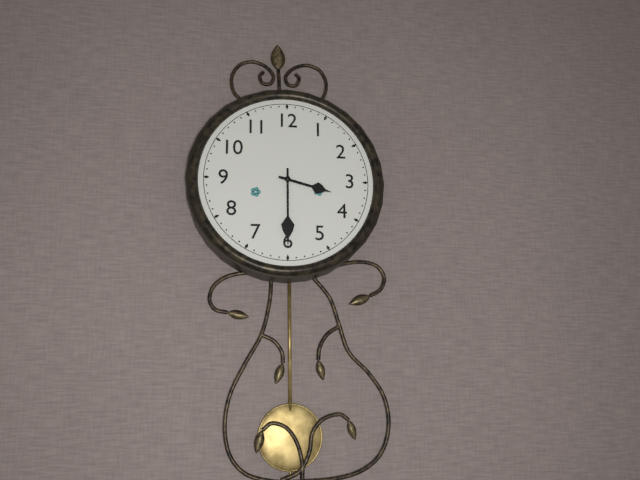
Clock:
3 h 30 min
